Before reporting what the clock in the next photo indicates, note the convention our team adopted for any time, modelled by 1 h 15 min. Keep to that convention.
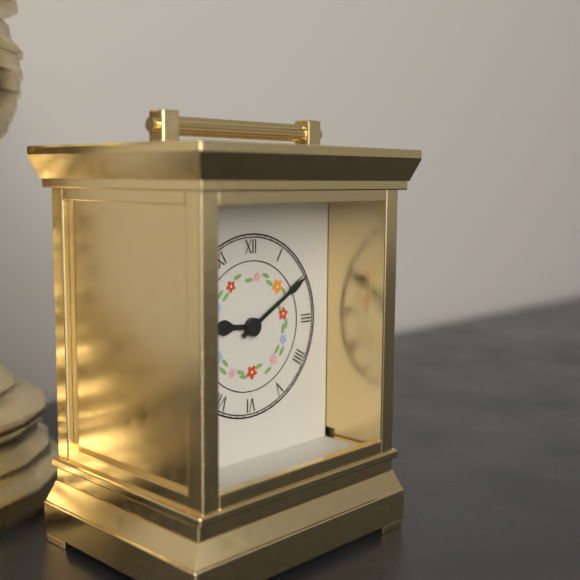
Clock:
9 h 10 min
